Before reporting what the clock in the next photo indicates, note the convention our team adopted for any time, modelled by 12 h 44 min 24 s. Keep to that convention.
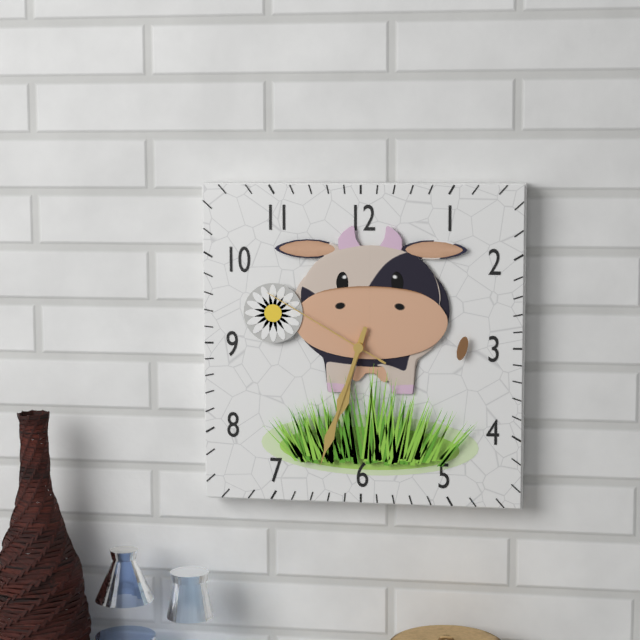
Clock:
6 h 33 min 50 s
